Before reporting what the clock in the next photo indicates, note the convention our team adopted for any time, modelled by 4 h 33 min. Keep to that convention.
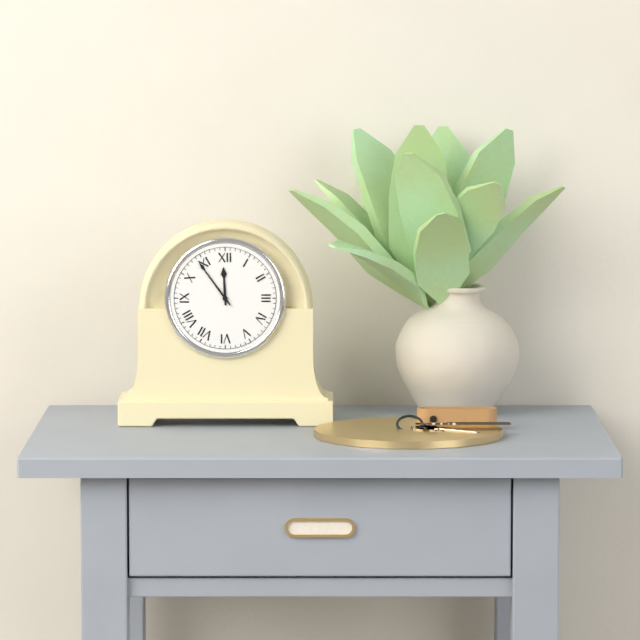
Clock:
11 h 54 min
